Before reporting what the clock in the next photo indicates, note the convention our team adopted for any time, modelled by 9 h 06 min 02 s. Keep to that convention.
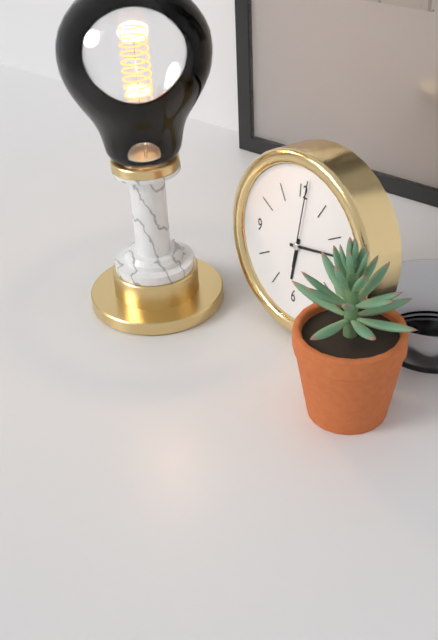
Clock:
6 h 13 min 01 s
